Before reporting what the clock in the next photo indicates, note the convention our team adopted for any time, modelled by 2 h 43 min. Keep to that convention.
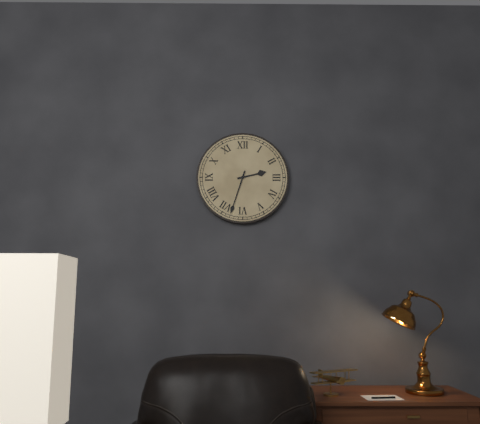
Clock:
2 h 33 min
